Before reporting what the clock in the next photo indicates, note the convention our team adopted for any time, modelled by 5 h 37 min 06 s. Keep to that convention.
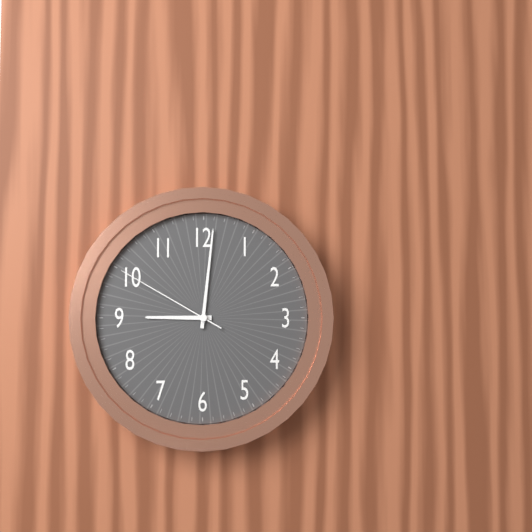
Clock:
9 h 01 min 50 s
